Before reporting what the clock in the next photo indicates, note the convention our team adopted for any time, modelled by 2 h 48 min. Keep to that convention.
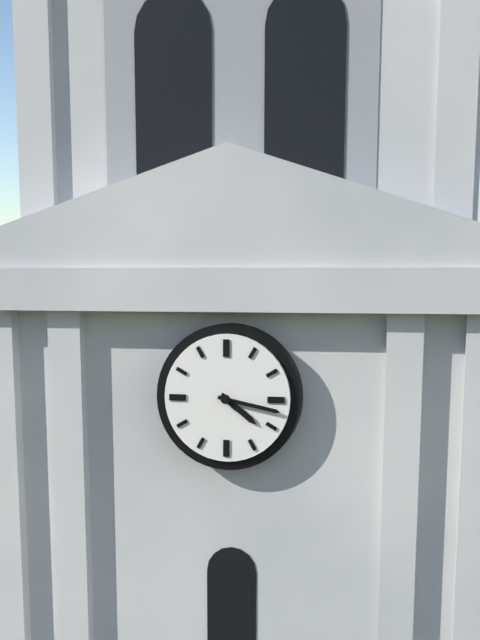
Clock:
4 h 17 min
